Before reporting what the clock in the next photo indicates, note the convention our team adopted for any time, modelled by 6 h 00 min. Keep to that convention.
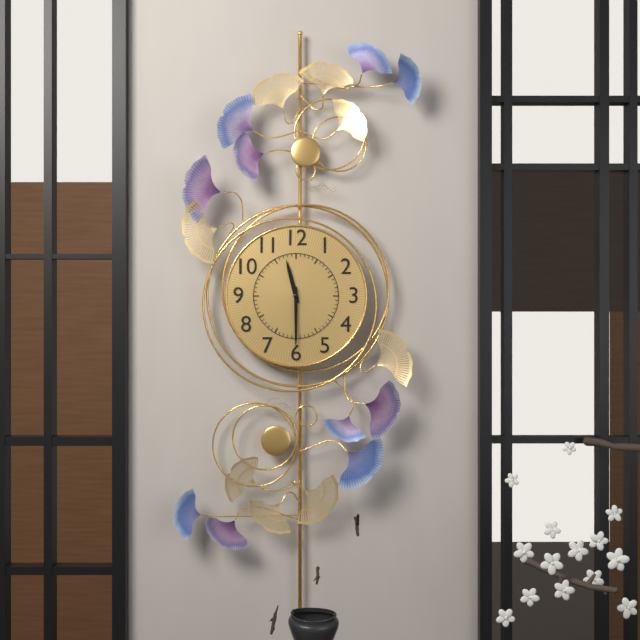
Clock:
11 h 30 min
